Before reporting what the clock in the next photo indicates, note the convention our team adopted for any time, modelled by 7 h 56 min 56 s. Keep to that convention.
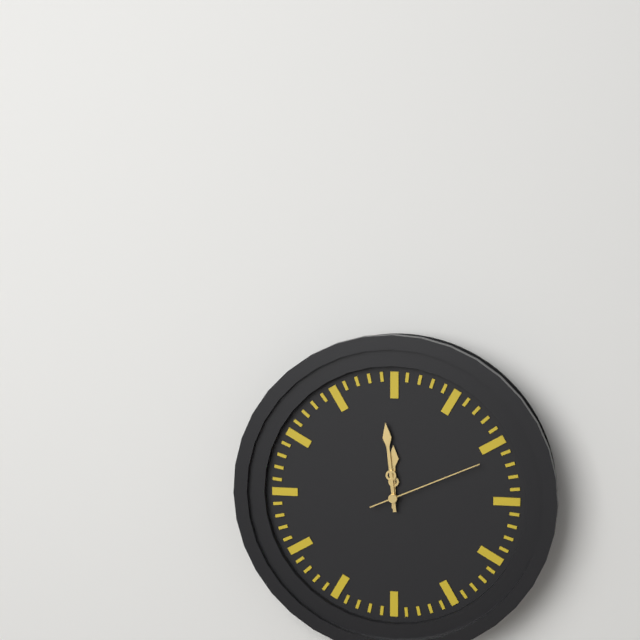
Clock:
11 h 59 min 11 s
